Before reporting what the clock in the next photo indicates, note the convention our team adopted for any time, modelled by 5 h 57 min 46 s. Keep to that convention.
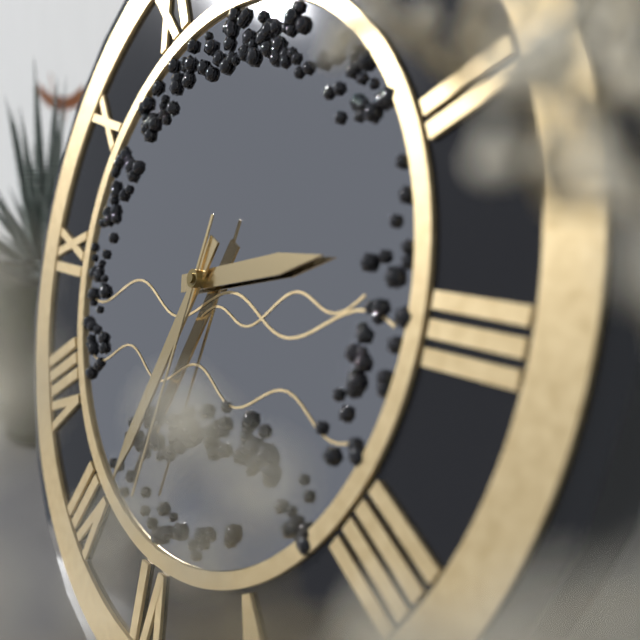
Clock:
2 h 34 min 32 s
